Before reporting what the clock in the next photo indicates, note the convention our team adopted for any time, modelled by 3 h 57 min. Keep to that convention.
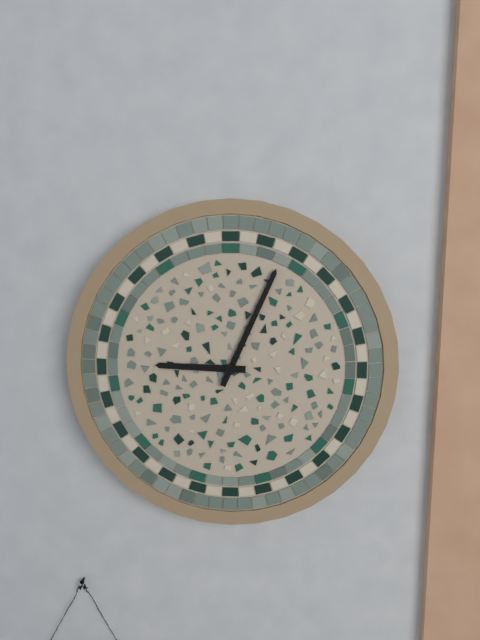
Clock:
9 h 04 min
